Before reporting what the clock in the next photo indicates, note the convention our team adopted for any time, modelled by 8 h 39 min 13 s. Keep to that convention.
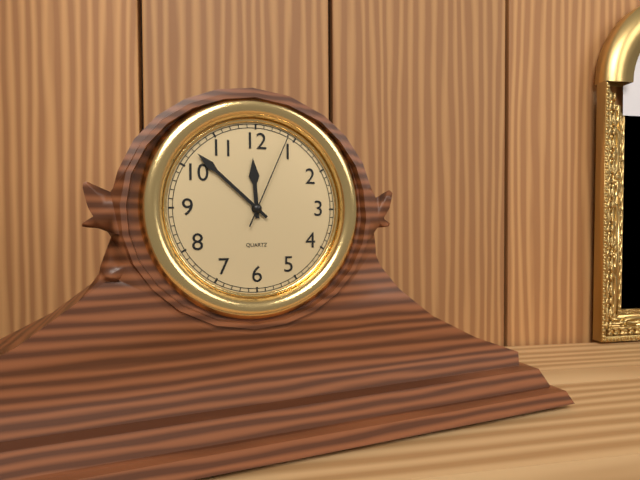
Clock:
11 h 52 min 04 s
